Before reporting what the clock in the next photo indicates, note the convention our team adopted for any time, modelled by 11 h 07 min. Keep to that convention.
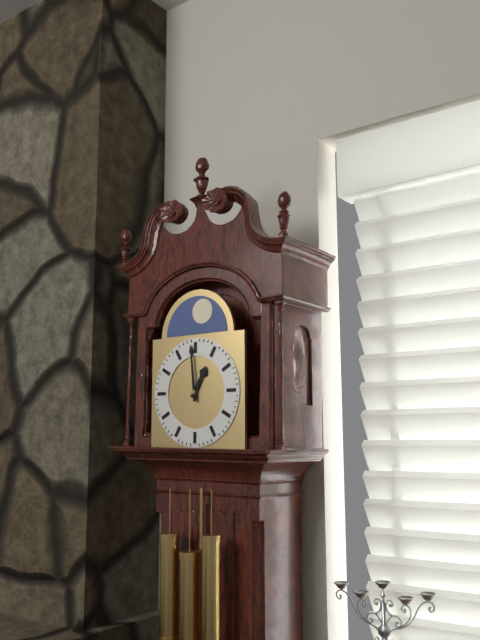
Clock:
12 h 59 min
